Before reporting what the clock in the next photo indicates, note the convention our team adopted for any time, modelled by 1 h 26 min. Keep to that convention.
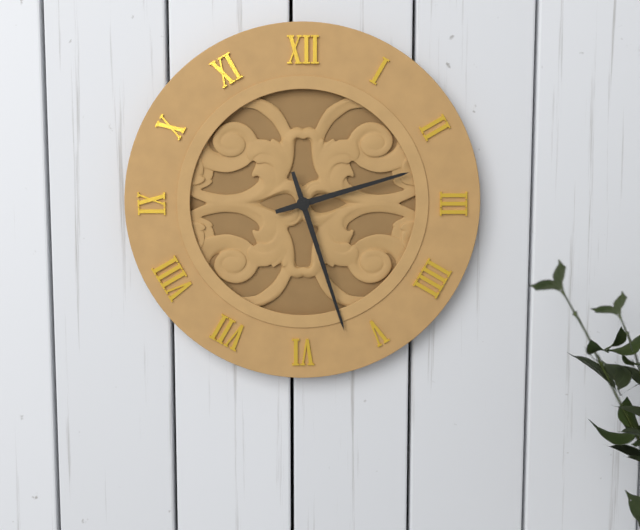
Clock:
2 h 27 min
